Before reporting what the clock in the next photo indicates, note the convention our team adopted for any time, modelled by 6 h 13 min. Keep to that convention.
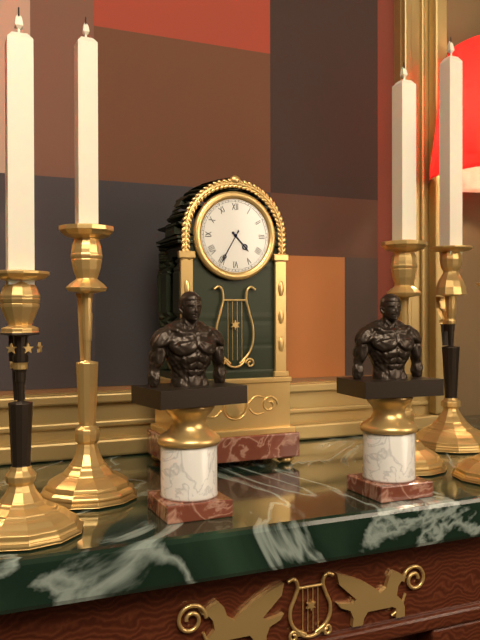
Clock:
4 h 35 min
